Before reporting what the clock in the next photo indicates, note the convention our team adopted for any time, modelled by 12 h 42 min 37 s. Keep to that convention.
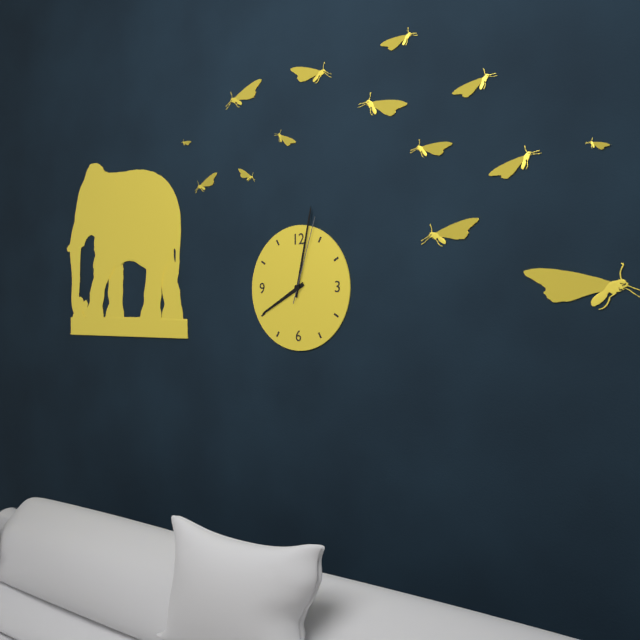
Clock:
8 h 02 min 03 s
